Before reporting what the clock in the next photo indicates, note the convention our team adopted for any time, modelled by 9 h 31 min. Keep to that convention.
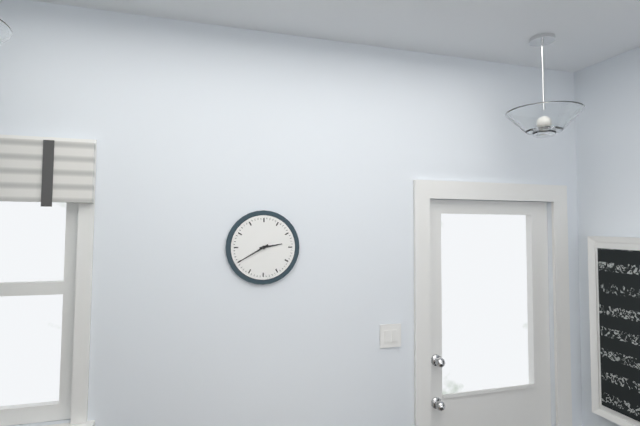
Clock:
2 h 40 min
